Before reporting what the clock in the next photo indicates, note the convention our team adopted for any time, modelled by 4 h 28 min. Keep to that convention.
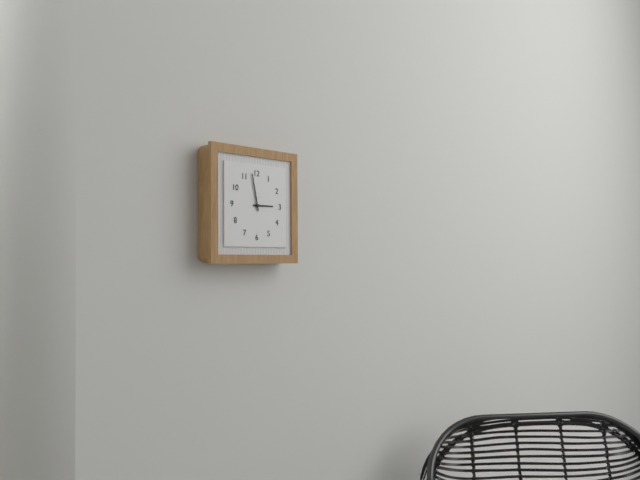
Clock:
2 h 58 min
